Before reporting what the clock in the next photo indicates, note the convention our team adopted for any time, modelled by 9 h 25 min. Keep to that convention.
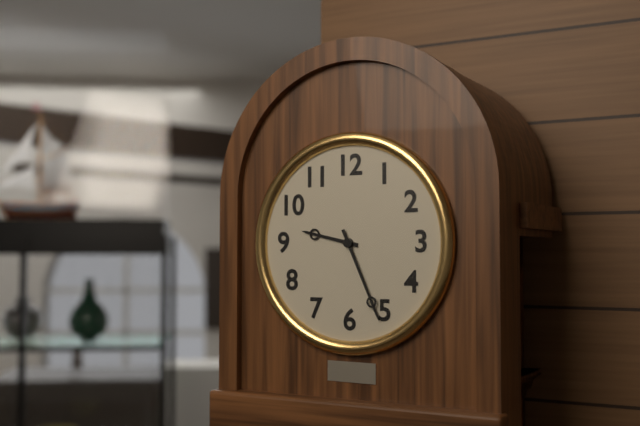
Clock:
9 h 26 min
